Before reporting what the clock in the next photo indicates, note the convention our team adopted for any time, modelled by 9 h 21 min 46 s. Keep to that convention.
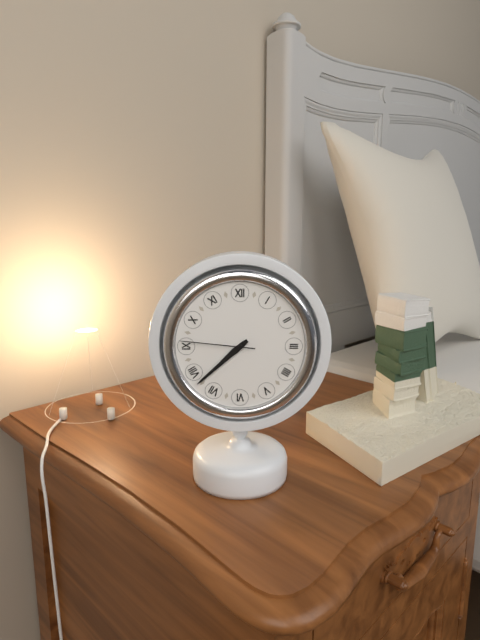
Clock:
7 h 38 min 46 s
